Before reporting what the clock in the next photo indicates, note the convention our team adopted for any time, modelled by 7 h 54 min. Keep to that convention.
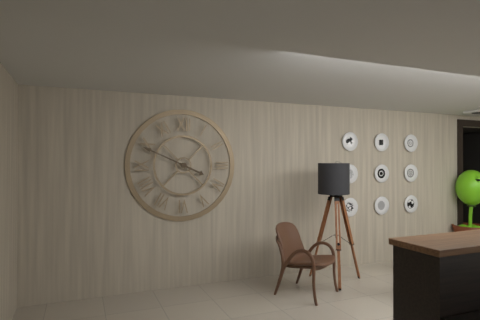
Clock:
3 h 49 min
